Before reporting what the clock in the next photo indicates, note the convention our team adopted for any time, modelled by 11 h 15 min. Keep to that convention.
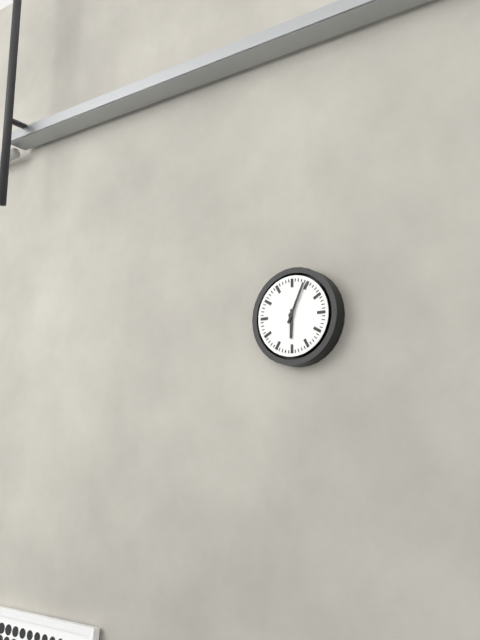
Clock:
6 h 04 min
